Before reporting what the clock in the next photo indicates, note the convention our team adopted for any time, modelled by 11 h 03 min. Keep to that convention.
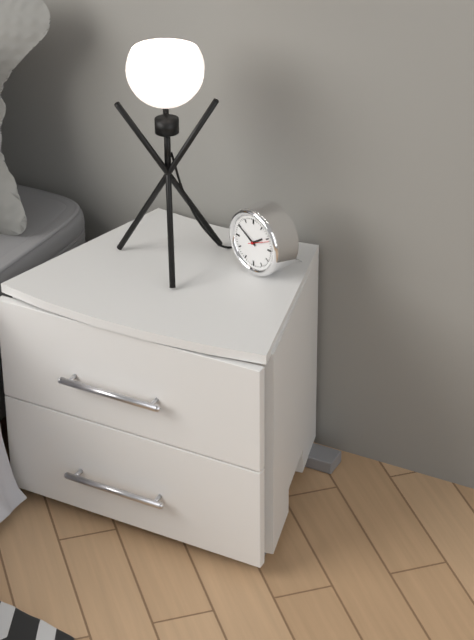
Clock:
1 h 50 min
